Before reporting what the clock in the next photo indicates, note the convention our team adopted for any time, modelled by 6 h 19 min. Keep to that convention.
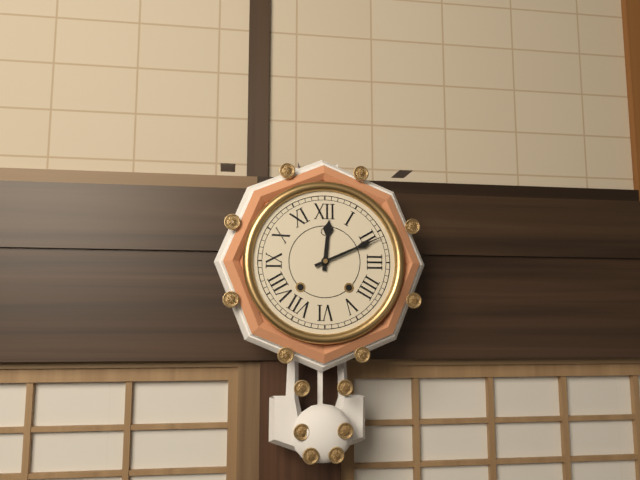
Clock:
12 h 11 min
